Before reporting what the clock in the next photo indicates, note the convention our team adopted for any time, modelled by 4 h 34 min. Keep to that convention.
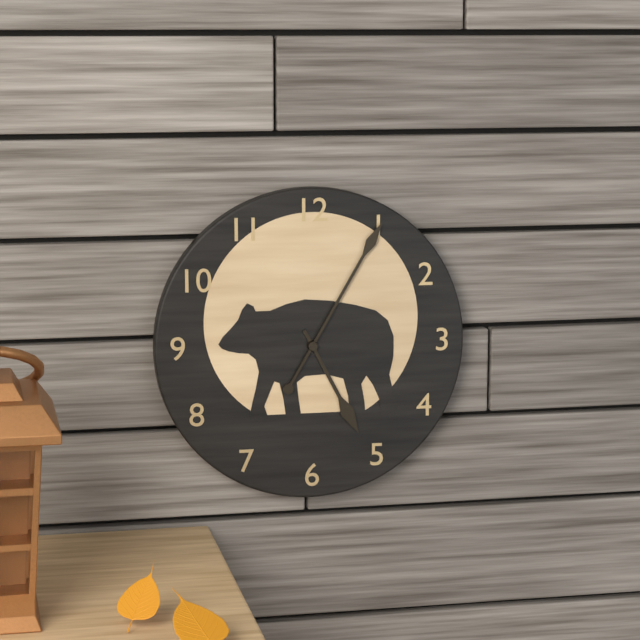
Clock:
5 h 05 min
